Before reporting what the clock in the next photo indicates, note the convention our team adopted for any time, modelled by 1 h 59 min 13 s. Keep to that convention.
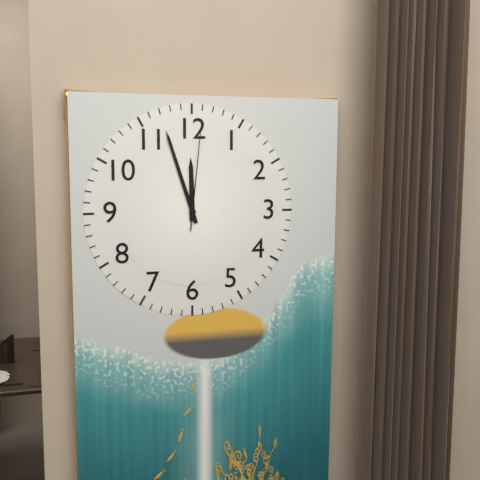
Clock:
11 h 57 min 01 s
